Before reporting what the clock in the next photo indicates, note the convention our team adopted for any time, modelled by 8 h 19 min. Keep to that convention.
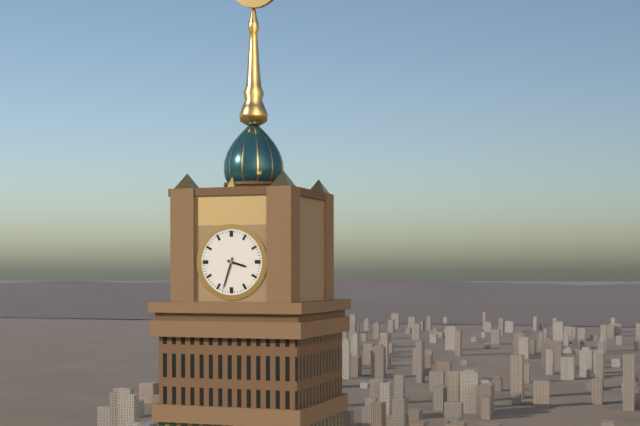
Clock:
3 h 33 min
